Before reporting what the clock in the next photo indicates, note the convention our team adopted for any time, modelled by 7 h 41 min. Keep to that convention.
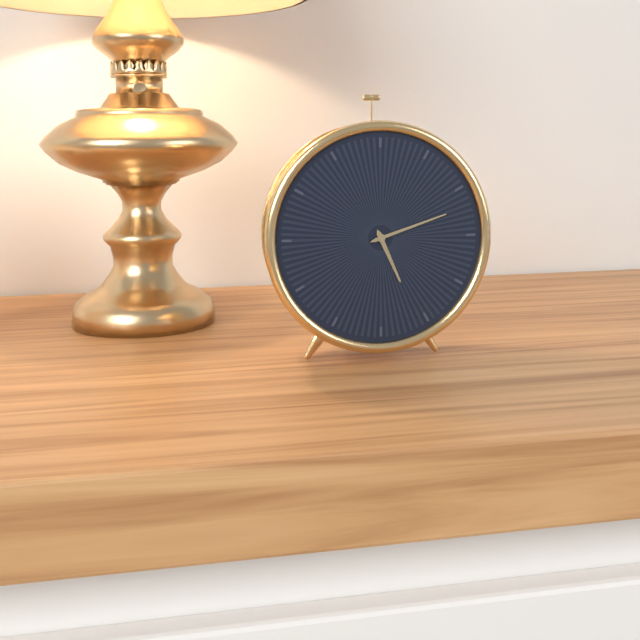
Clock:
5 h 12 min
